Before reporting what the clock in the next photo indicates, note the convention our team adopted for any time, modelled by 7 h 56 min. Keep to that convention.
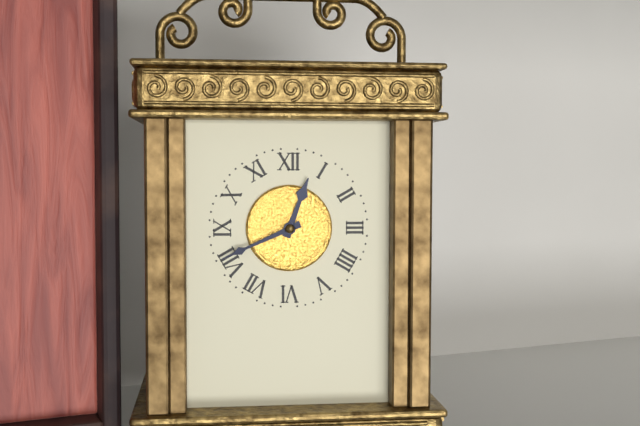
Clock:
12 h 41 min
